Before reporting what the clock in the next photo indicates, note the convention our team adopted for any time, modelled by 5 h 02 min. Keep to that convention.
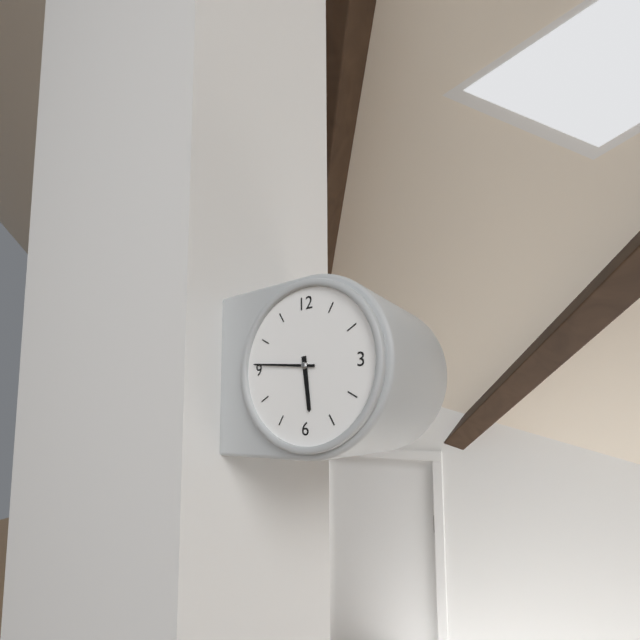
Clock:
5 h 46 min
